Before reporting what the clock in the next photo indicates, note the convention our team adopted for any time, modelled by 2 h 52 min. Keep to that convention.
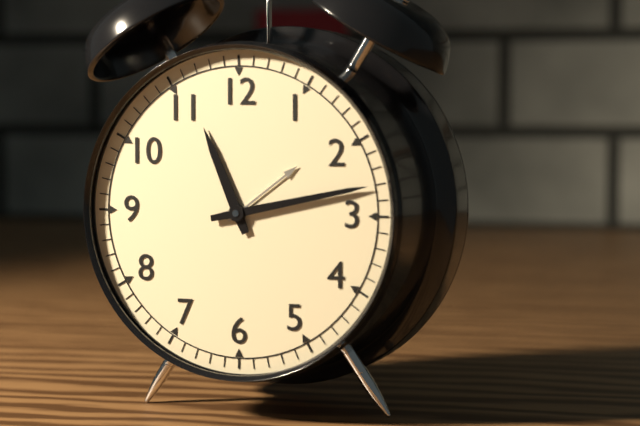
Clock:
11 h 13 min
